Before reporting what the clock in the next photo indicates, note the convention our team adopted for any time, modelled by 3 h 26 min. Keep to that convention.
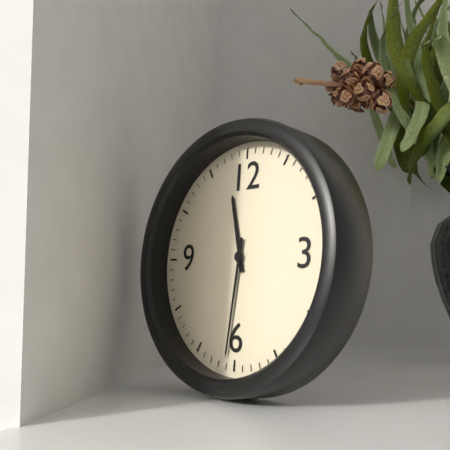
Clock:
11 h 31 min
